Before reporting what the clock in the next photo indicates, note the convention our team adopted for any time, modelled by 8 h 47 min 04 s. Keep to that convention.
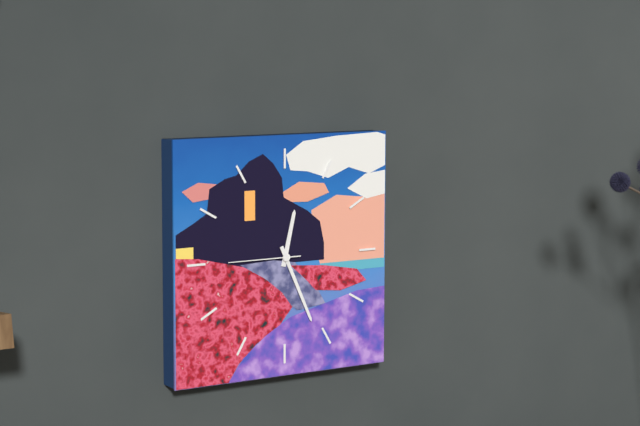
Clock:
12 h 26 min 45 s
